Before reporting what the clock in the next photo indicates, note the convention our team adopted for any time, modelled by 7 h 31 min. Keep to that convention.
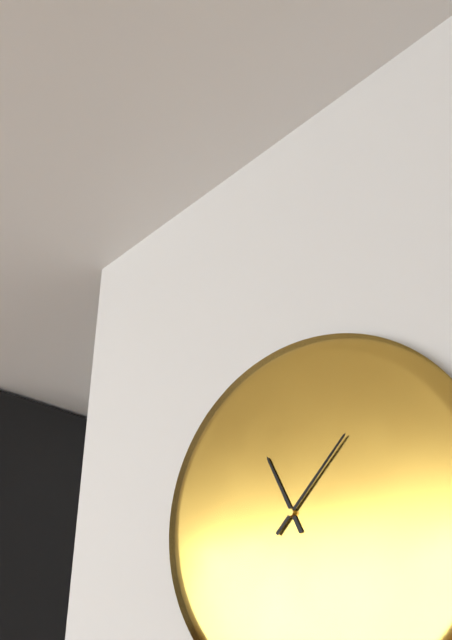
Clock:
11 h 07 min
